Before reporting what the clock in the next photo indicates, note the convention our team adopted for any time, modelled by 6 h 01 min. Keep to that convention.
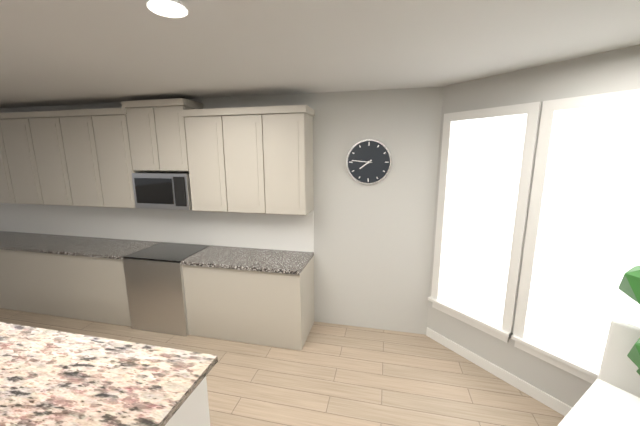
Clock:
7 h 46 min
